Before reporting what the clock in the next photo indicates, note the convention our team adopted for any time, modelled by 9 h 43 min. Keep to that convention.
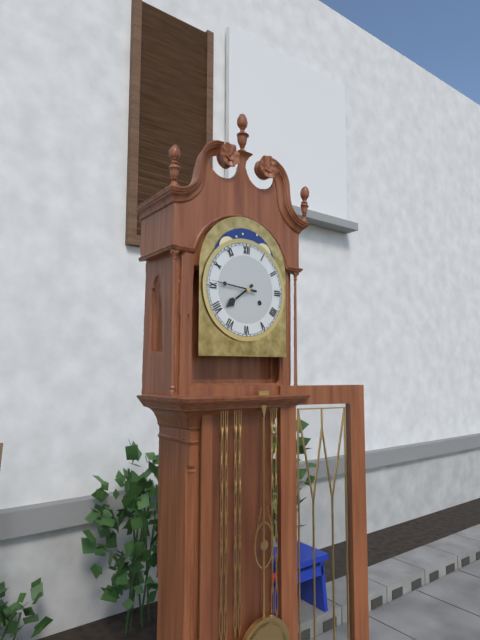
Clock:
7 h 46 min
